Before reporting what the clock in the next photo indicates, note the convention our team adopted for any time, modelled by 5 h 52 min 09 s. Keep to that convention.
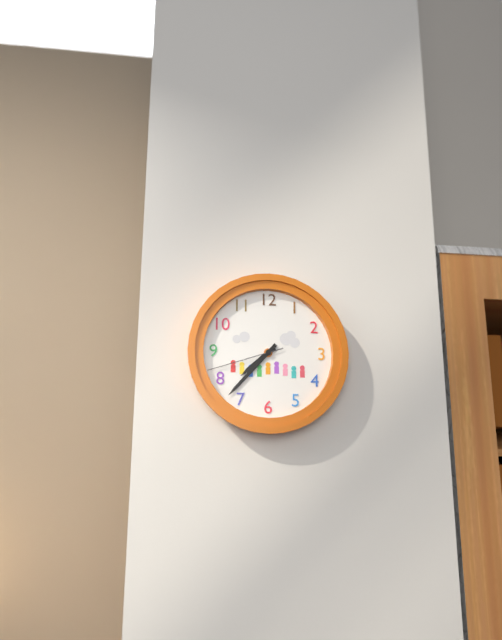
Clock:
7 h 37 min 42 s
